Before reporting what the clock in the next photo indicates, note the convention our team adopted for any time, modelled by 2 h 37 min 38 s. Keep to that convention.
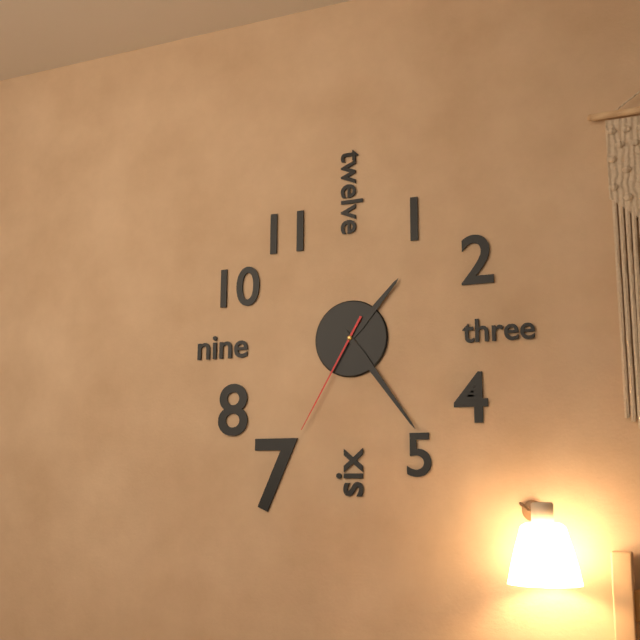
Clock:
1 h 24 min 35 s
